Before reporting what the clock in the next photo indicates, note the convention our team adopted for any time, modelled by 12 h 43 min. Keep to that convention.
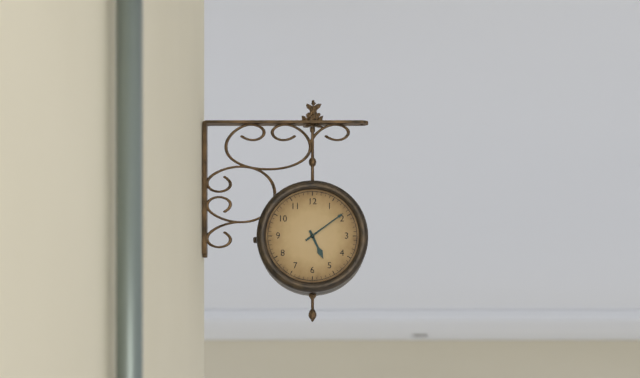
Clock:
5 h 09 min
